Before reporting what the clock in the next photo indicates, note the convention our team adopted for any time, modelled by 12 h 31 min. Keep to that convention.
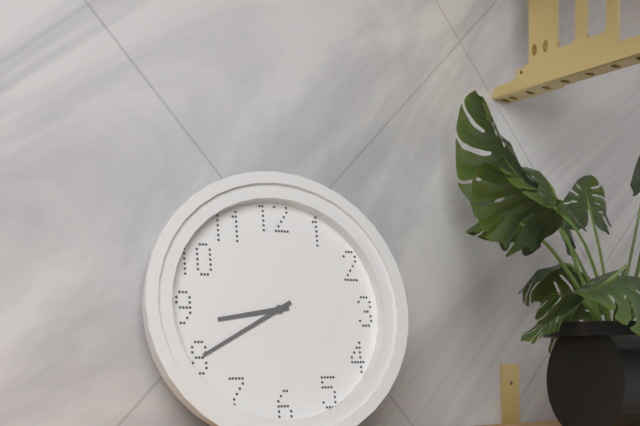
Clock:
8 h 40 min
